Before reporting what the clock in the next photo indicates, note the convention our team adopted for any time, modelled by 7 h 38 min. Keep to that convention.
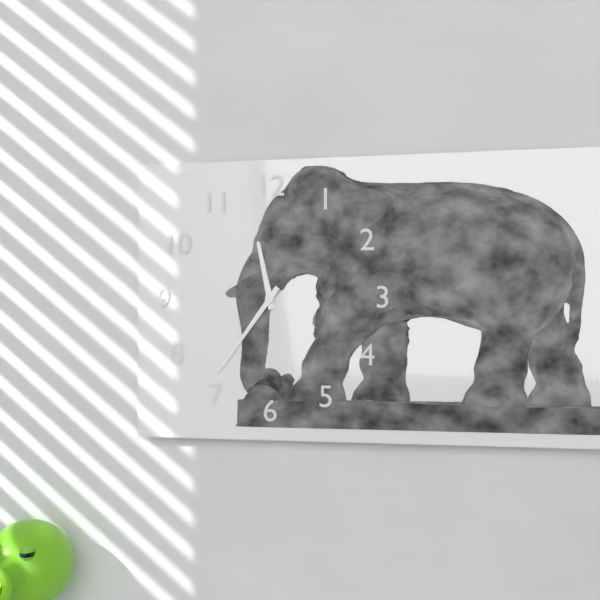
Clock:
11 h 36 min
